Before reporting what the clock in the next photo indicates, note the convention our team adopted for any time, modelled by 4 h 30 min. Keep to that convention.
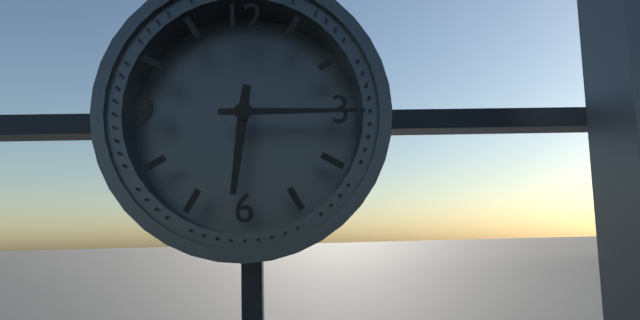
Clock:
6 h 15 min
